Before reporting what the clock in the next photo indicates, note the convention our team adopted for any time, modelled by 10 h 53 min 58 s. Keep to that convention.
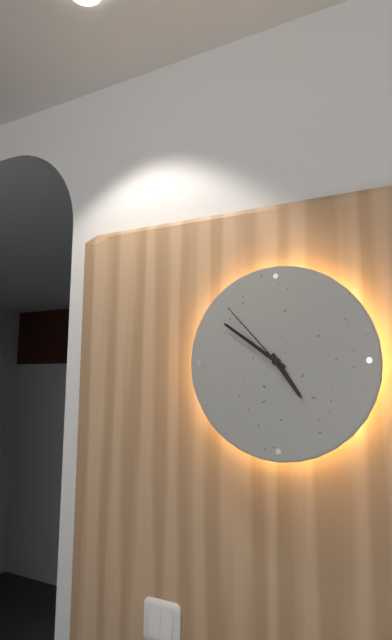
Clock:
4 h 51 min 53 s
